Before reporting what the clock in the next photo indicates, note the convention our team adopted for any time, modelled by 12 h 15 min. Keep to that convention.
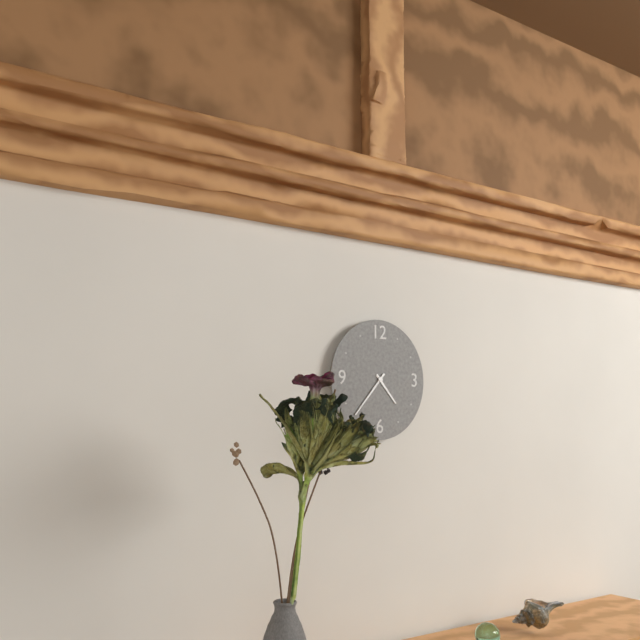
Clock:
4 h 37 min
